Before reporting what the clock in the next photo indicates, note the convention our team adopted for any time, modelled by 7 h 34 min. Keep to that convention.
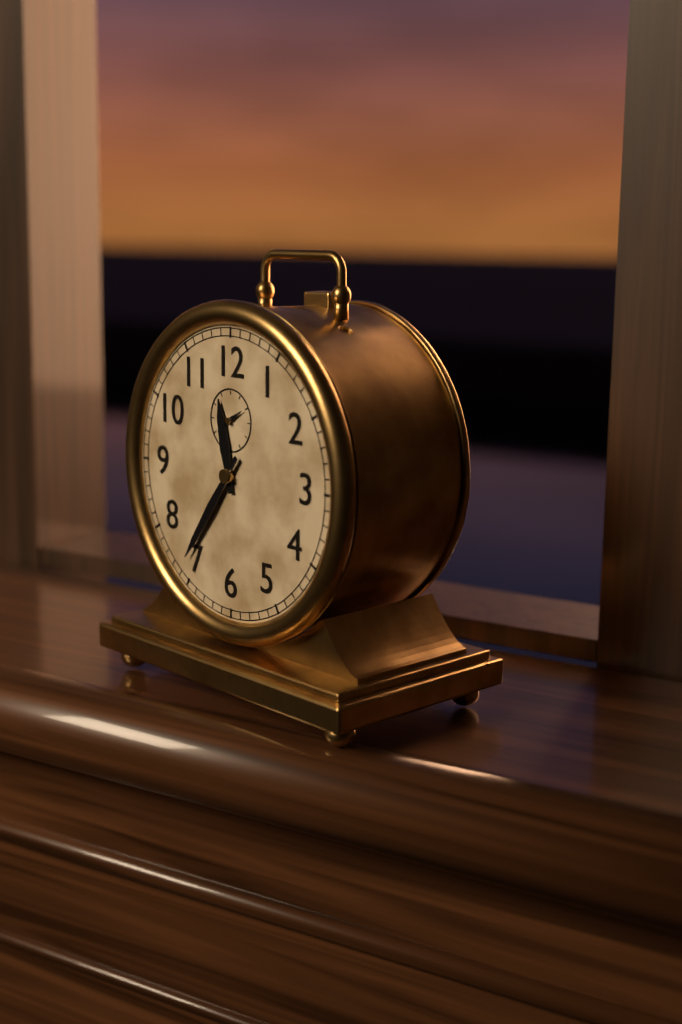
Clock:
11 h 36 min
